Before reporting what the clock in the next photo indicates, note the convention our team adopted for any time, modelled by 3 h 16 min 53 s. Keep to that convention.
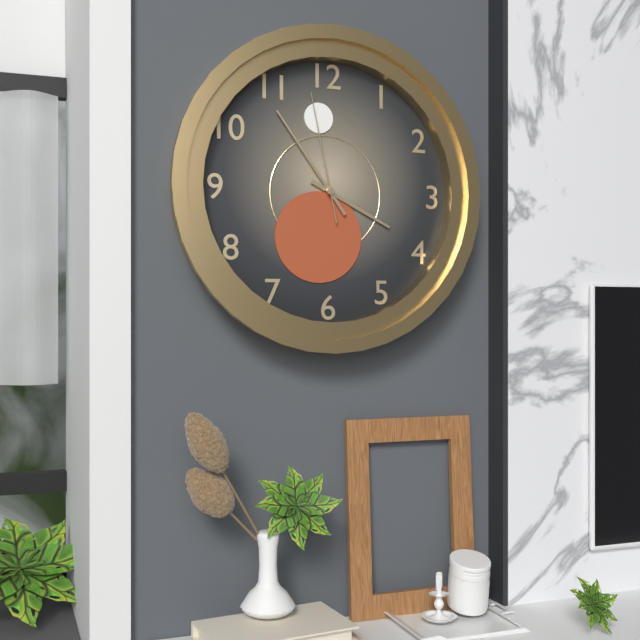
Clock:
3 h 54 min 58 s
